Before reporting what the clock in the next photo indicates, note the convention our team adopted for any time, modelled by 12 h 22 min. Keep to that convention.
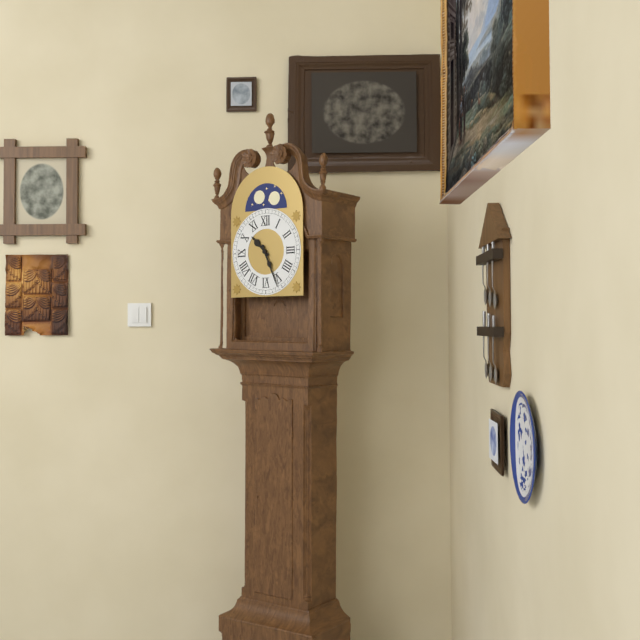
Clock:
10 h 26 min
